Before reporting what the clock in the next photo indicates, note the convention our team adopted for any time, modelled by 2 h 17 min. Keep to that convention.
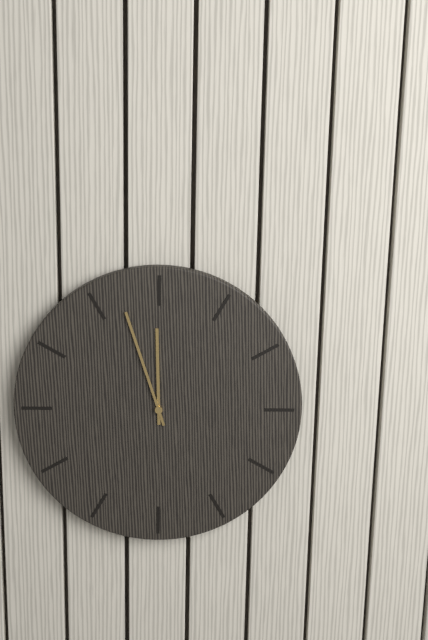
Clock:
11 h 57 min
